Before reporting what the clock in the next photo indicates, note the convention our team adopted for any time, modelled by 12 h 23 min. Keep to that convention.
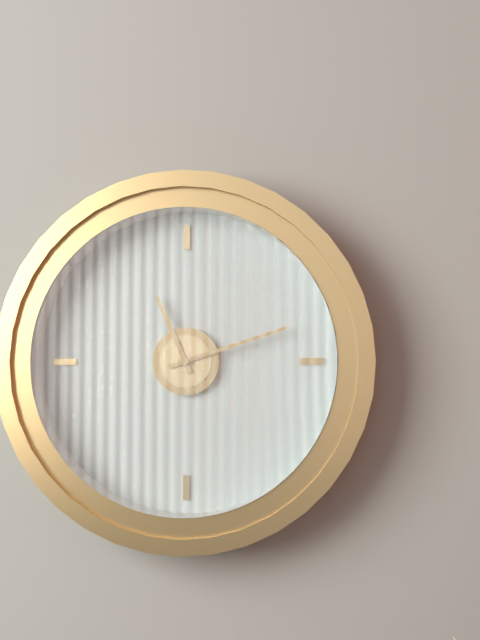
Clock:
11 h 12 min
